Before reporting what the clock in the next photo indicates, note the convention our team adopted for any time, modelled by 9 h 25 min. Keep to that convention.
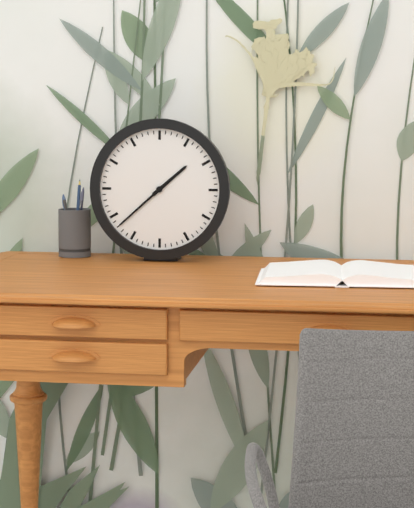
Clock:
1 h 38 min
